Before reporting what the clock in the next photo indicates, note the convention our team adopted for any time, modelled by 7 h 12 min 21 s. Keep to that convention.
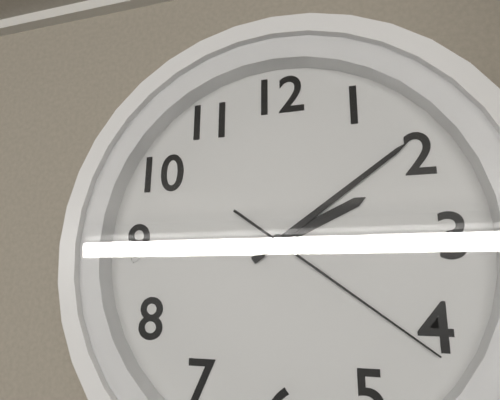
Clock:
2 h 09 min 21 s
